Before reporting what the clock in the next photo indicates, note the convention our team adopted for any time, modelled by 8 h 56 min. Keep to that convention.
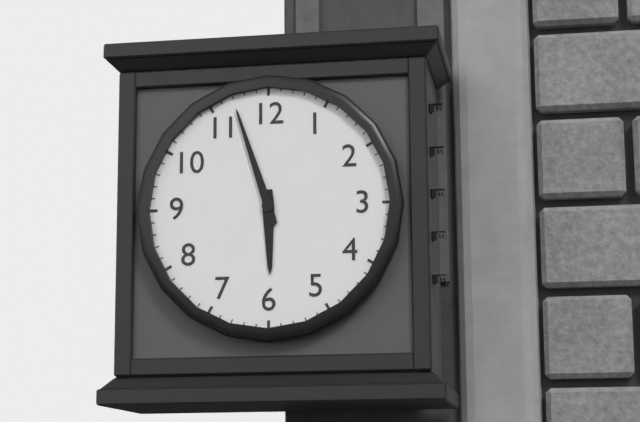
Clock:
5 h 57 min
